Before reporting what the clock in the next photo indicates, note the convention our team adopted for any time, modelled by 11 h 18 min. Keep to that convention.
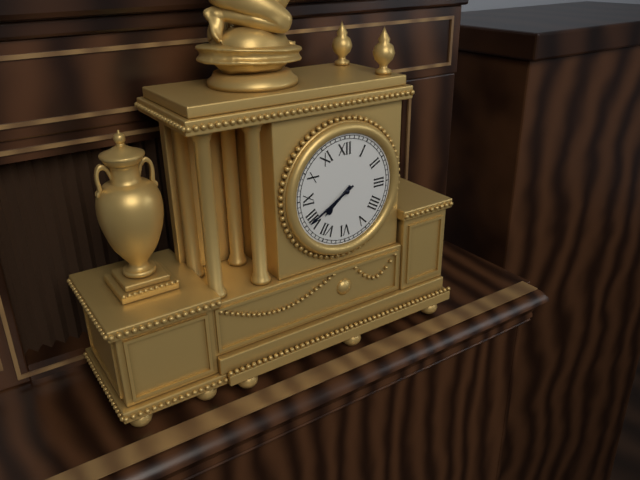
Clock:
7 h 40 min
